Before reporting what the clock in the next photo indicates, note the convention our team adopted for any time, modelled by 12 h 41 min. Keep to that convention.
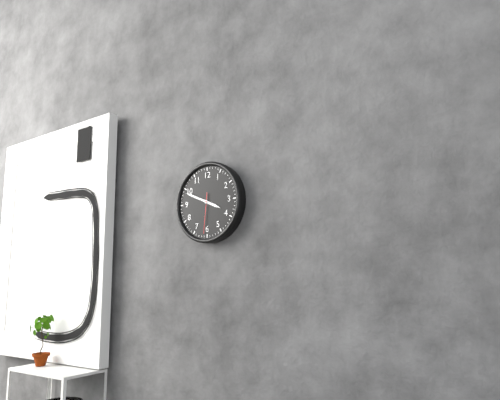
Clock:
3 h 49 min
